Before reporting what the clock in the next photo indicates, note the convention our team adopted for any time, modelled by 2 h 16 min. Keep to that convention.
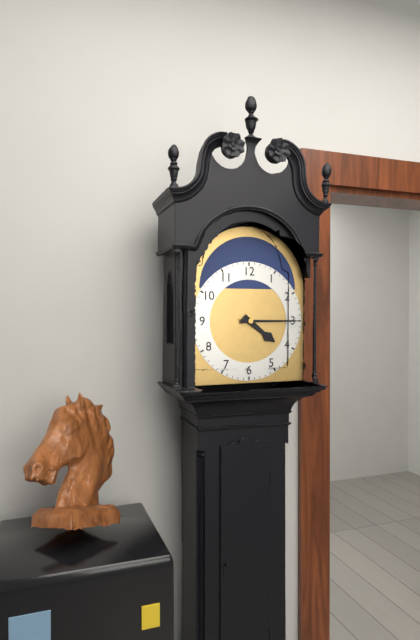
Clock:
4 h 15 min
